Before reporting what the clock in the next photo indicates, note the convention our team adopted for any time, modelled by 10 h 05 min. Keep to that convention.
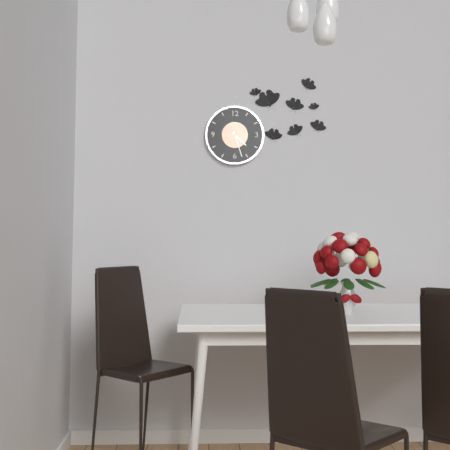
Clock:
4 h 27 min
